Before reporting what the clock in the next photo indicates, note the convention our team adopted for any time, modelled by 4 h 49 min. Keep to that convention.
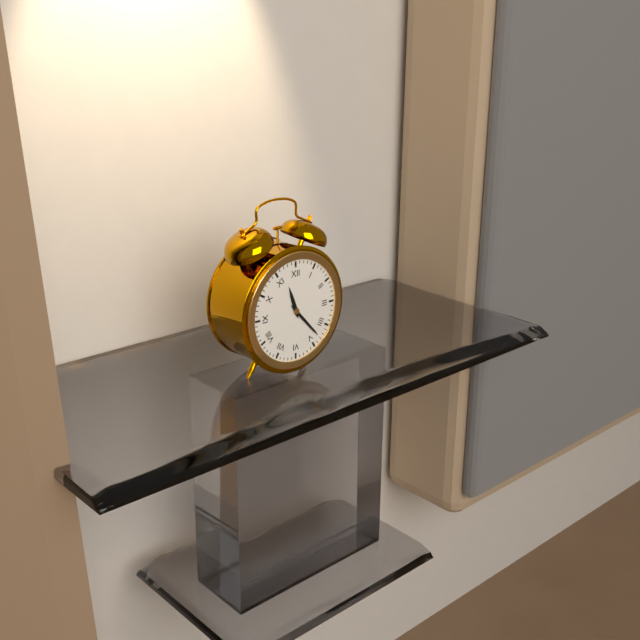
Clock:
11 h 23 min
